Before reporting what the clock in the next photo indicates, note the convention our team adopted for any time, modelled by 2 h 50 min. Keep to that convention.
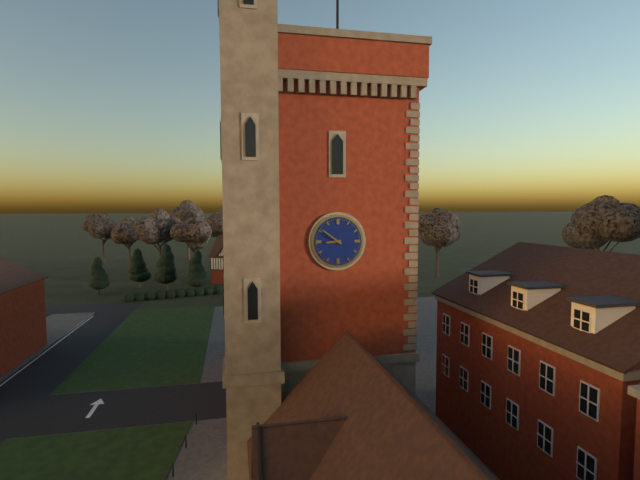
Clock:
8 h 51 min
